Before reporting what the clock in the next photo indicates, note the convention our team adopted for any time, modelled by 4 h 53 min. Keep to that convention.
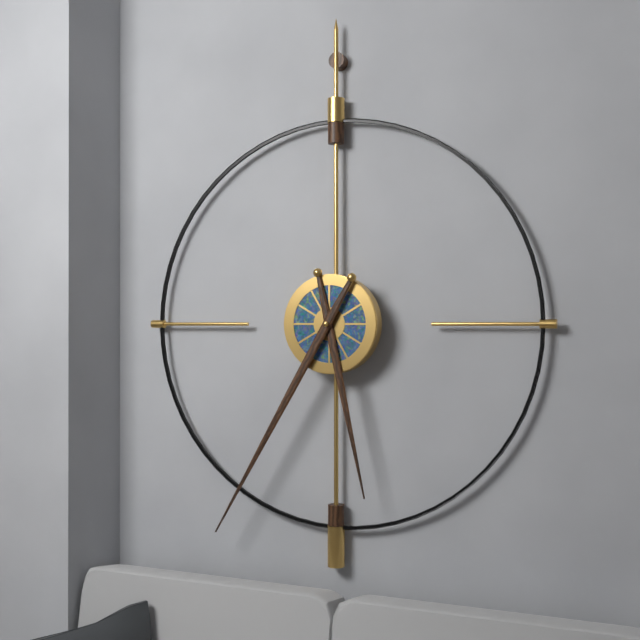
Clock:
5 h 35 min
